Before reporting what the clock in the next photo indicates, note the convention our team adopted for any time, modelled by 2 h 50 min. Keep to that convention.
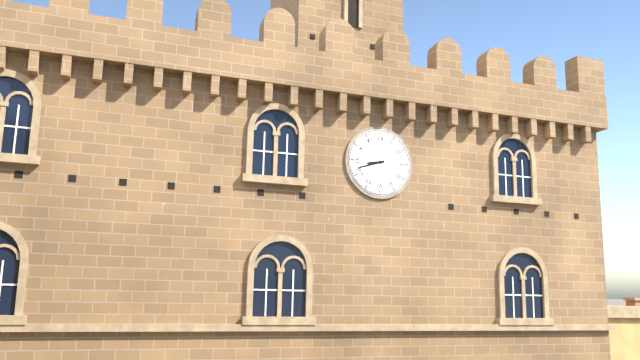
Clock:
8 h 42 min
